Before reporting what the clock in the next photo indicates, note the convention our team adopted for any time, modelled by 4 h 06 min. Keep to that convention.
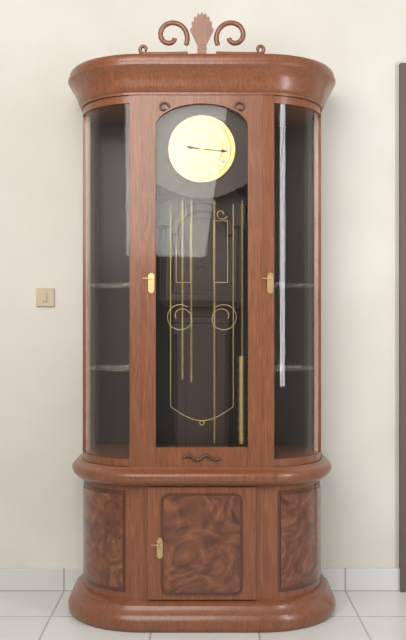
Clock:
9 h 16 min
